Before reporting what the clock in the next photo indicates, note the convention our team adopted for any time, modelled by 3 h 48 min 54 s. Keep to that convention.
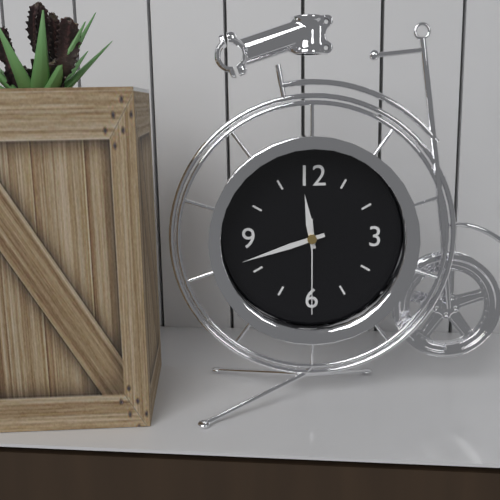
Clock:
11 h 42 min 30 s
